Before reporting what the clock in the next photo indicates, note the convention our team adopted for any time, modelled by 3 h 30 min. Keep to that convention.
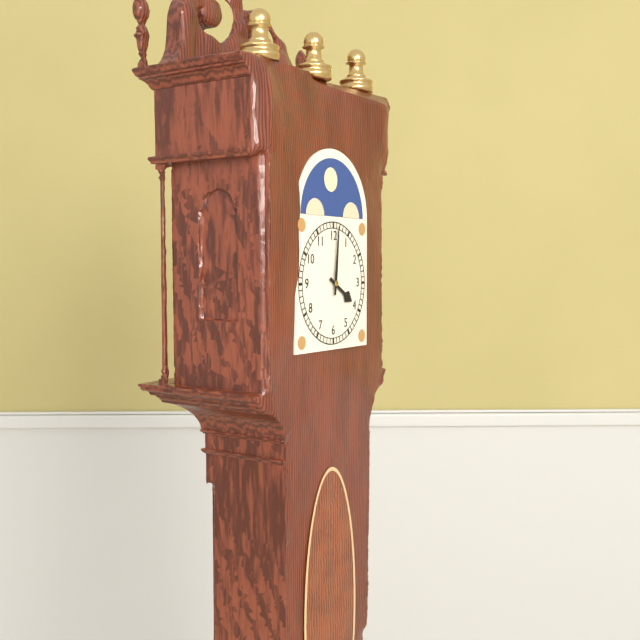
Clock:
4 h 01 min
